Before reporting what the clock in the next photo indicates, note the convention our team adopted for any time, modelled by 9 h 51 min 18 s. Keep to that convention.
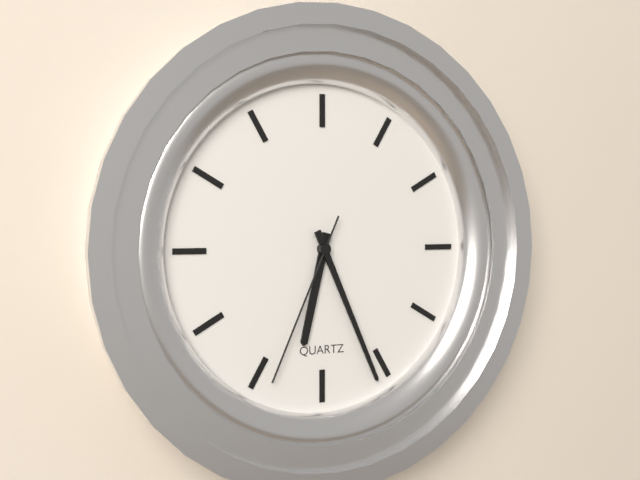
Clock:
6 h 26 min 34 s
